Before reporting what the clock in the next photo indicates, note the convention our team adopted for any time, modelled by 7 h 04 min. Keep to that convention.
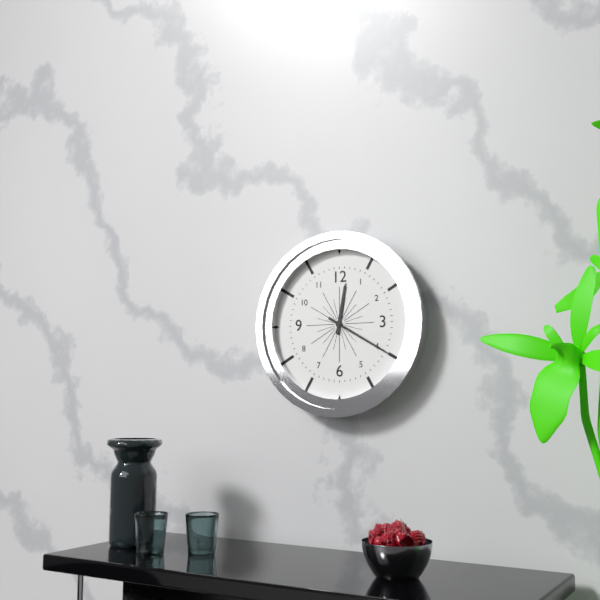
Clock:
12 h 20 min
